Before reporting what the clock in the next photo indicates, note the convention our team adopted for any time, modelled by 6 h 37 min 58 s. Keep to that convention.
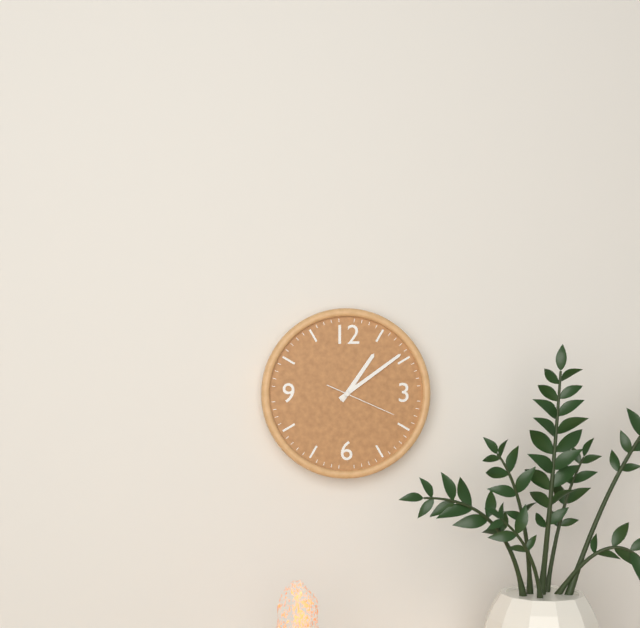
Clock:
1 h 09 min 19 s
